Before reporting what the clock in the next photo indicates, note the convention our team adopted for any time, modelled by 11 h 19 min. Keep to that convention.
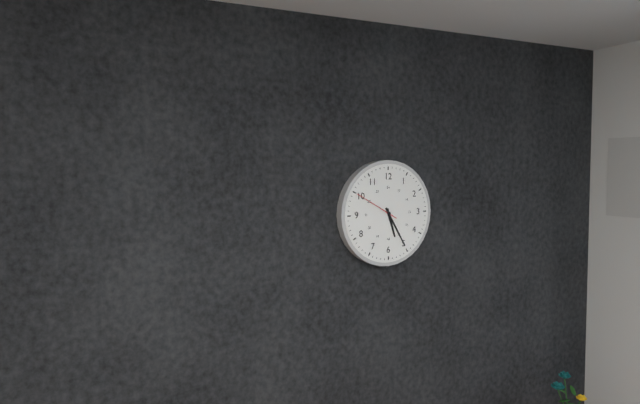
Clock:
5 h 25 min
